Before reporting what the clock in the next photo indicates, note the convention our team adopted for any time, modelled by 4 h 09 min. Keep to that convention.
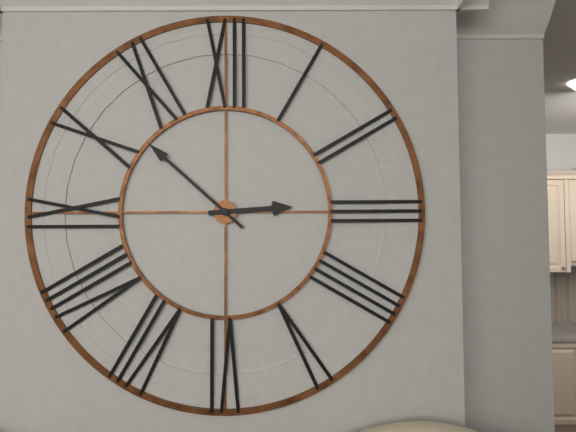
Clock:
2 h 52 min
